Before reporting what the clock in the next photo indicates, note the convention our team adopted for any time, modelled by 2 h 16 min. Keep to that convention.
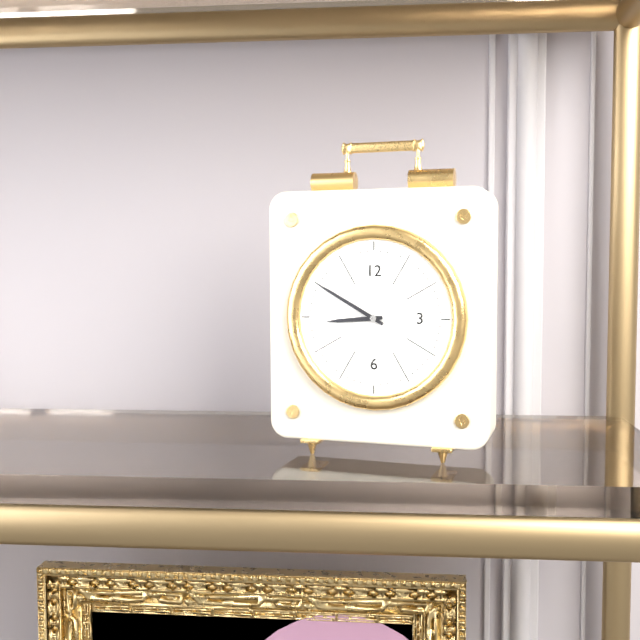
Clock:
8 h 50 min
